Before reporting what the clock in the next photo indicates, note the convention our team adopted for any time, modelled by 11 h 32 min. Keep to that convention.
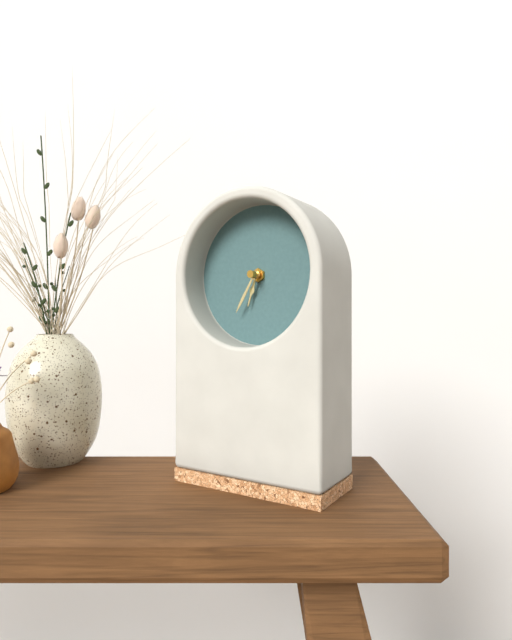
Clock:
6 h 35 min
